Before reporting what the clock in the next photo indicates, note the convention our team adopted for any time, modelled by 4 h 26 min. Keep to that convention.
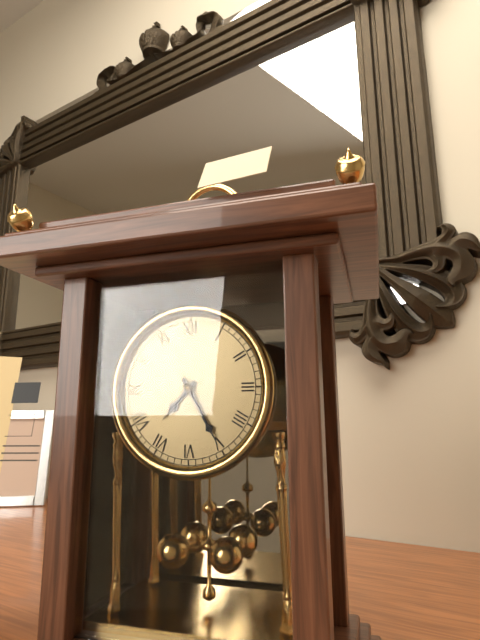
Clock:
7 h 25 min
